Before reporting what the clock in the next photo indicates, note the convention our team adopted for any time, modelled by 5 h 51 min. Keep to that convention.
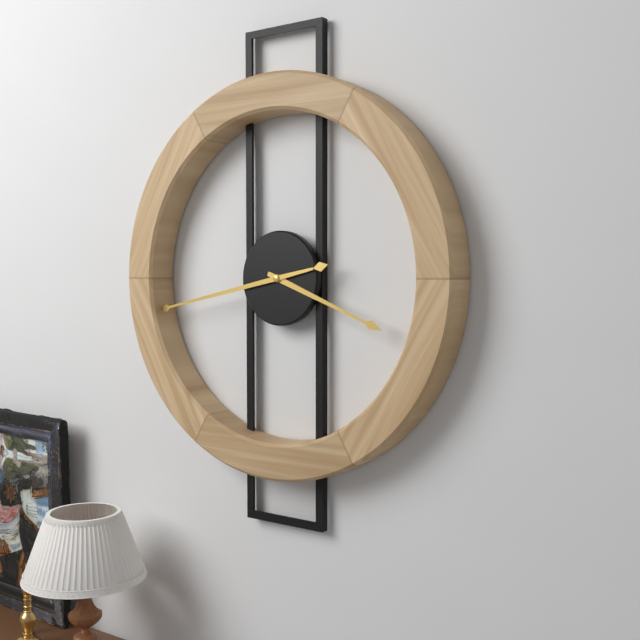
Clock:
3 h 43 min
